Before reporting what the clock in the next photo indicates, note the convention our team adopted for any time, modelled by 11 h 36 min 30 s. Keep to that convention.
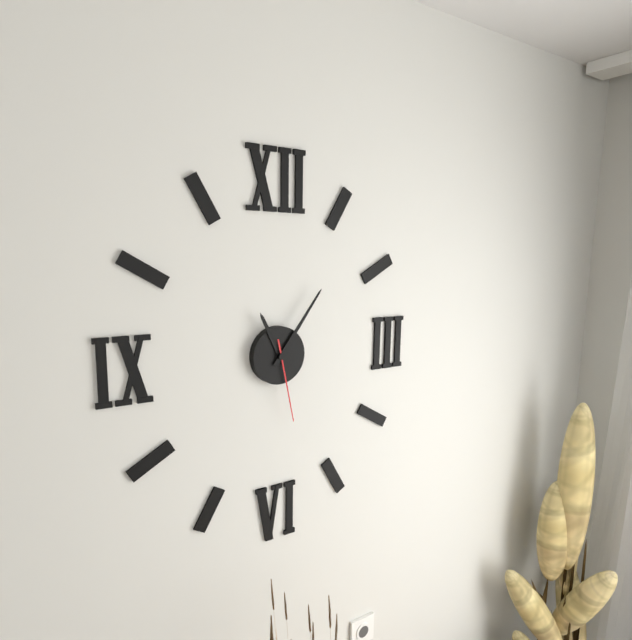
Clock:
11 h 06 min 28 s
